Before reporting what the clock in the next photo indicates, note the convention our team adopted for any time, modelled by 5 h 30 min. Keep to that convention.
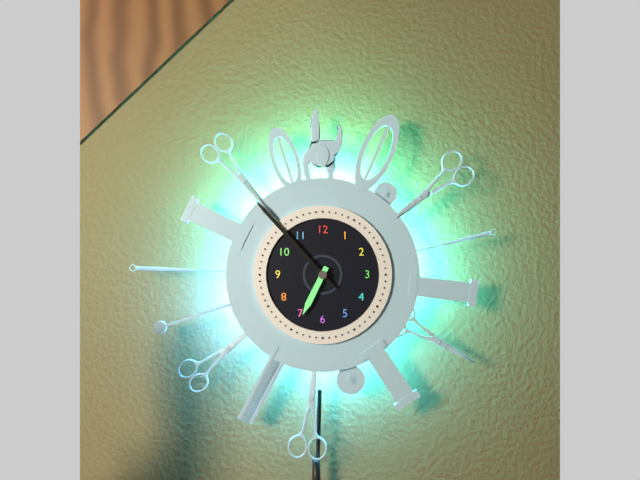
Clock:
6 h 53 min
